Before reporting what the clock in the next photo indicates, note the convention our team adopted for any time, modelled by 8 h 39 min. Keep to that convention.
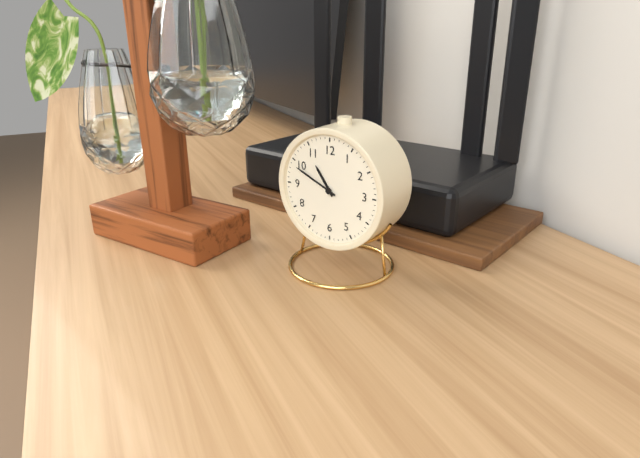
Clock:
10 h 49 min
